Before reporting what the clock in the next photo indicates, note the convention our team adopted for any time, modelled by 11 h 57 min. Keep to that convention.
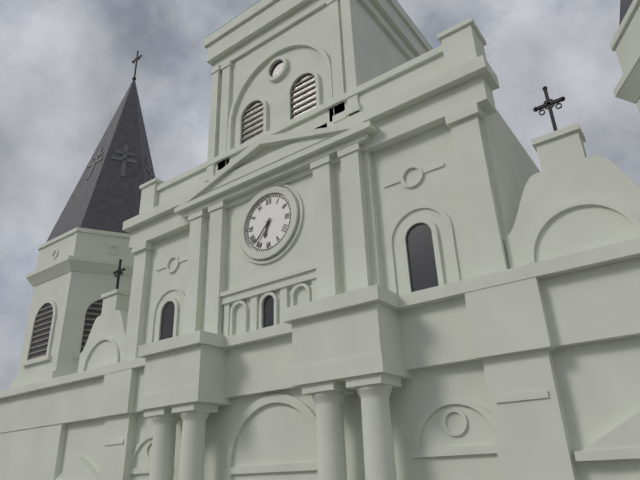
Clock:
6 h 37 min
